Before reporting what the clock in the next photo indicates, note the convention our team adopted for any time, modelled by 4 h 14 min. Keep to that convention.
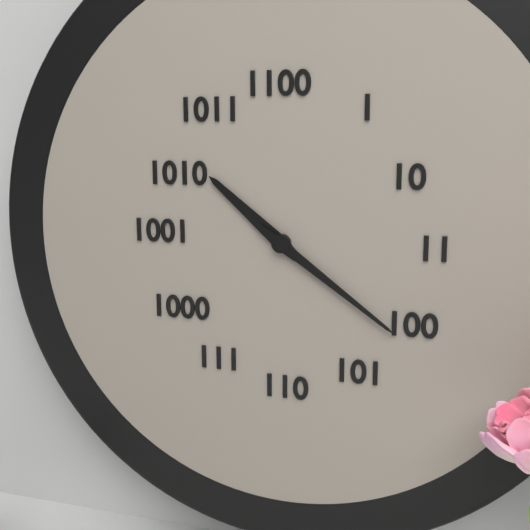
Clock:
10 h 21 min
